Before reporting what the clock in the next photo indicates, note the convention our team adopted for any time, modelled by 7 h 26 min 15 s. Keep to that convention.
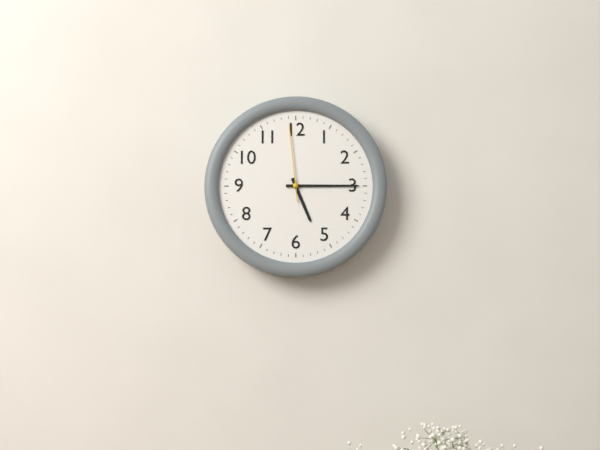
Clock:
5 h 15 min 59 s
